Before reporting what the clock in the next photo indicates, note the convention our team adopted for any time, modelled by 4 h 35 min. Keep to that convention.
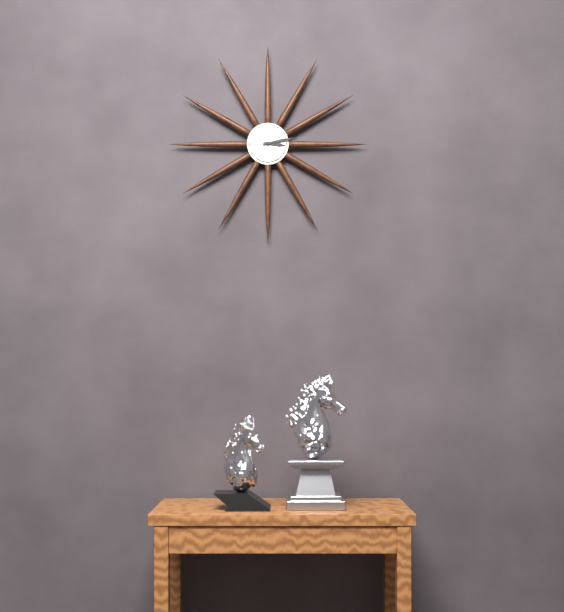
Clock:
3 h 13 min
